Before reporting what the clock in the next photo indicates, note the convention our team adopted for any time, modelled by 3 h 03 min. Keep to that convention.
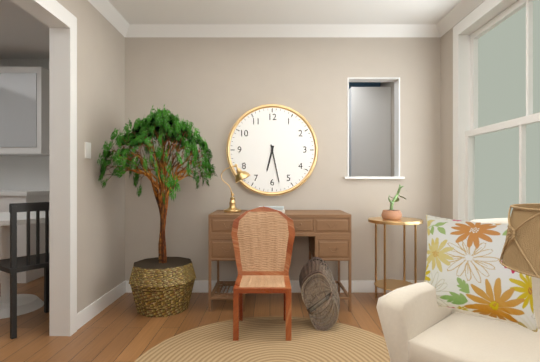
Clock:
6 h 28 min
